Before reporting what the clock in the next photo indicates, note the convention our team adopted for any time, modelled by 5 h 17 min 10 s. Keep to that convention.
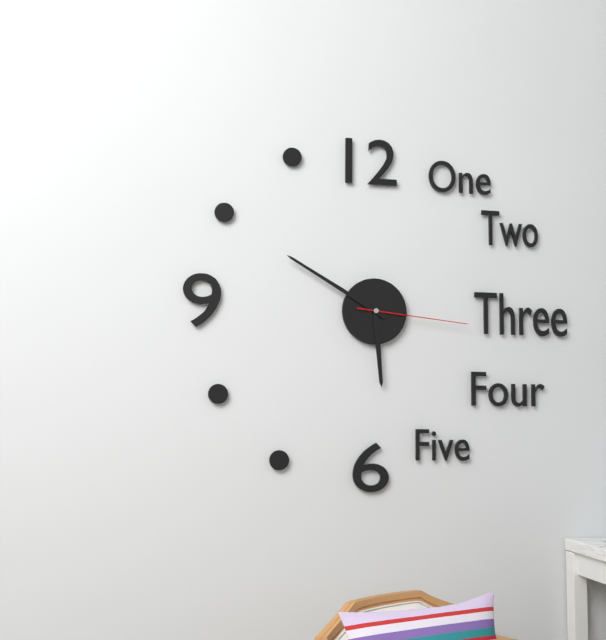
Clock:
5 h 50 min 16 s
